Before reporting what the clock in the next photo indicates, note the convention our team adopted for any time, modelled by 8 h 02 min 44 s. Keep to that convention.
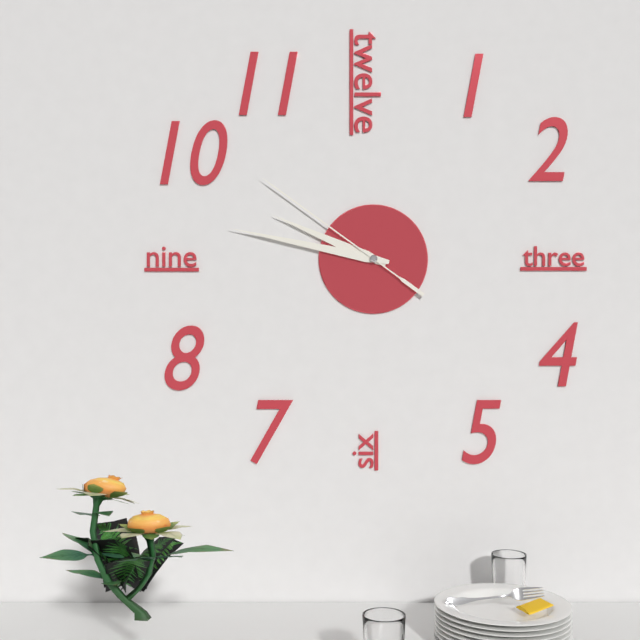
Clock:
9 h 47 min 51 s
